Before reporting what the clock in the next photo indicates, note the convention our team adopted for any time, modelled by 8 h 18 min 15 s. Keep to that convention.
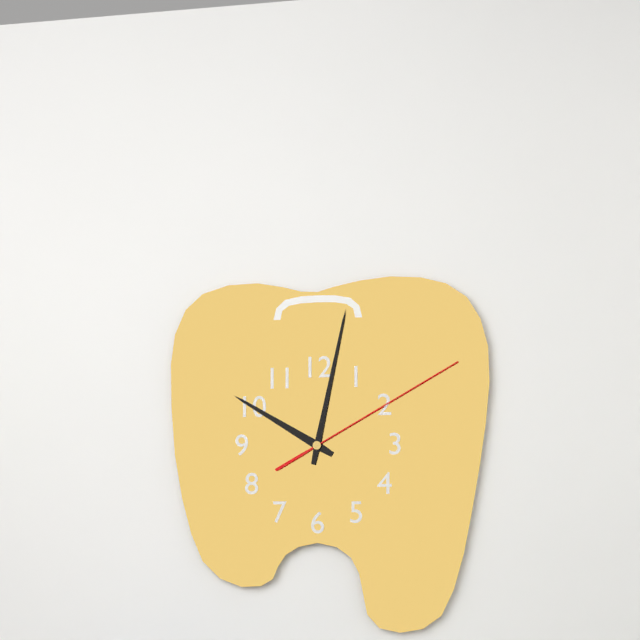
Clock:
10 h 02 min 10 s
